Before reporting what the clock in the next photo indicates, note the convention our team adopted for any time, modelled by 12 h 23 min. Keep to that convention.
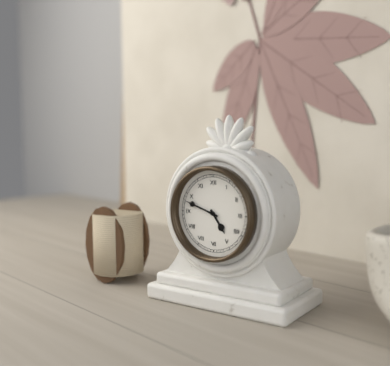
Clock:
4 h 48 min
